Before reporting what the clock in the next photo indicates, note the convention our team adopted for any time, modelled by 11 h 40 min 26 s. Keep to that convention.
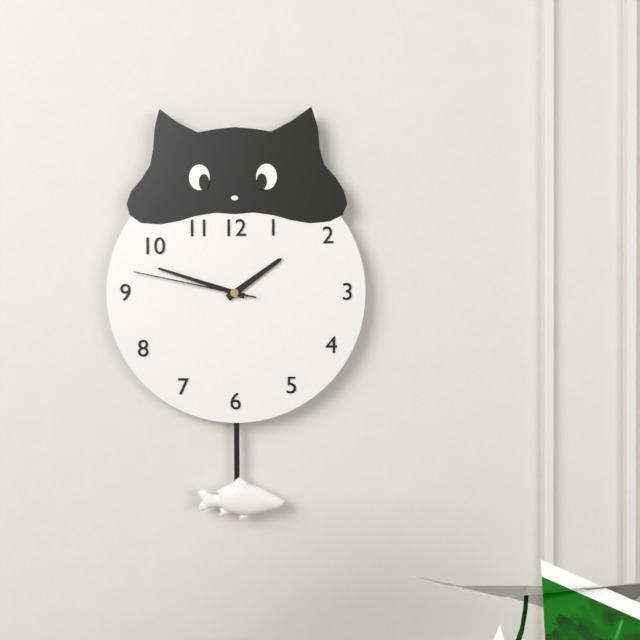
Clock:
1 h 48 min 47 s
